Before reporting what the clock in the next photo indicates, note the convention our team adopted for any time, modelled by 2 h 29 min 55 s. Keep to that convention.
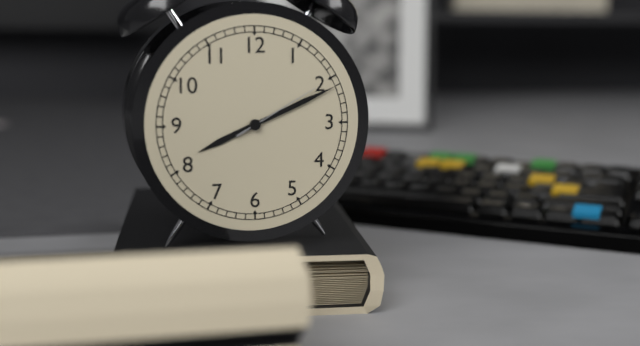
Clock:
8 h 11 min 10 s
